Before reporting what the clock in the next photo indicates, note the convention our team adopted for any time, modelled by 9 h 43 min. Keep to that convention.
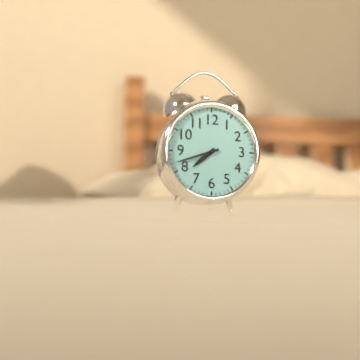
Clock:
7 h 42 min
